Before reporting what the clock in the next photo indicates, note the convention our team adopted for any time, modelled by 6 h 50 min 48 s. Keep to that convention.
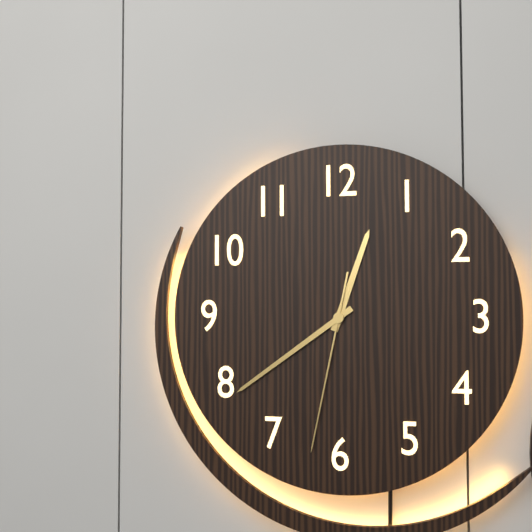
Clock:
12 h 39 min 32 s
